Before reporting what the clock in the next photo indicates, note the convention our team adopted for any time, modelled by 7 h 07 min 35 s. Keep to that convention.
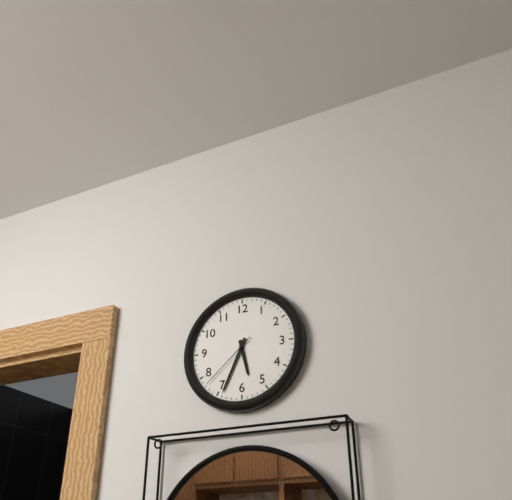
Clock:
5 h 34 min 38 s
